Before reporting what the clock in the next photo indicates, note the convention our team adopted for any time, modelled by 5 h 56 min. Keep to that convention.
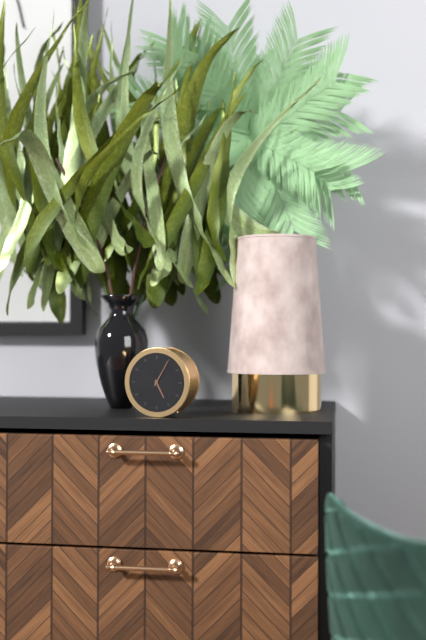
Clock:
5 h 05 min
